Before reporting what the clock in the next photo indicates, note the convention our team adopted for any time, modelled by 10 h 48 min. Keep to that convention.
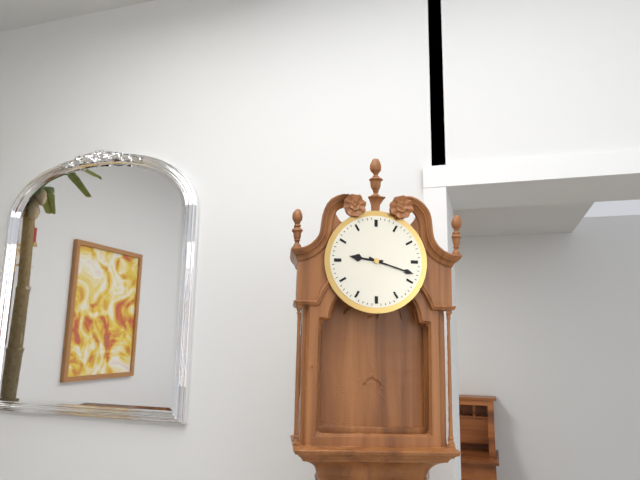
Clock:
9 h 18 min
